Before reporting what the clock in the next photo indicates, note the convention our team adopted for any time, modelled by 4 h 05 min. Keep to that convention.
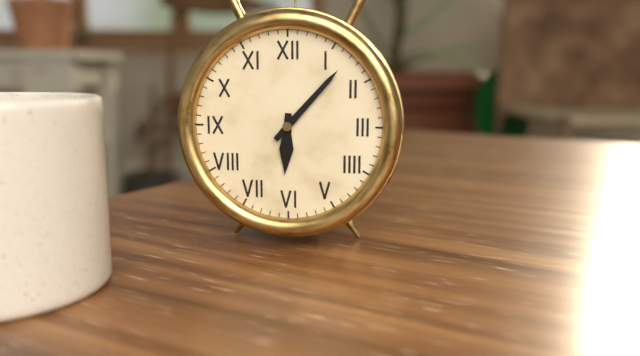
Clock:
6 h 07 min
